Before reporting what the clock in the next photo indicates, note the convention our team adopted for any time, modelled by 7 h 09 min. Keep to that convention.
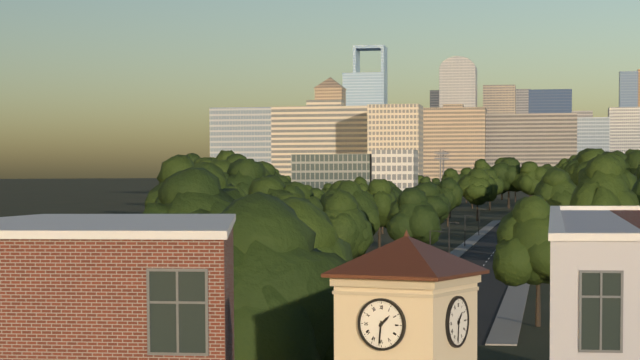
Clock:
1 h 31 min
